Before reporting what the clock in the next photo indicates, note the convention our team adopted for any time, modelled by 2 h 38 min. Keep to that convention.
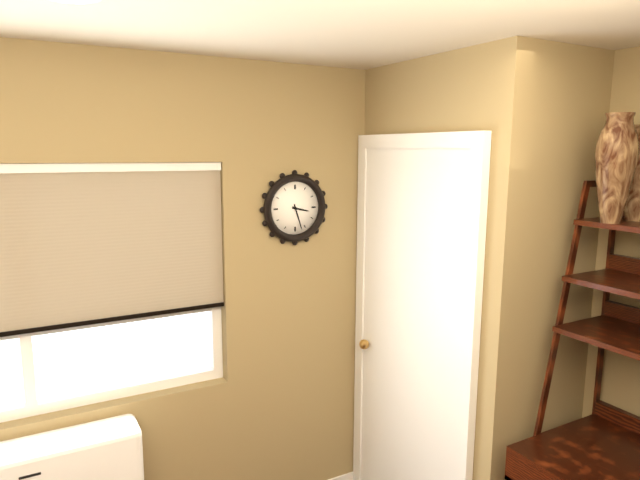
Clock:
3 h 27 min
